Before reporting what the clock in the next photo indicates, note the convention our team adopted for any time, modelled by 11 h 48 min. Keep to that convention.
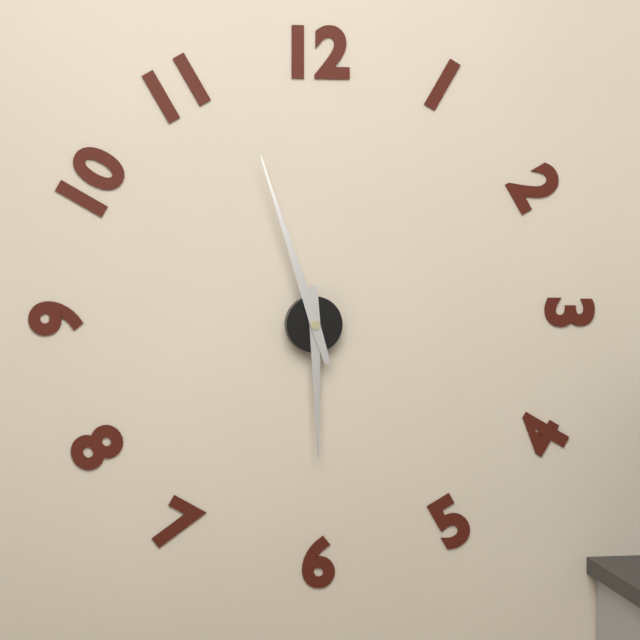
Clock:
5 h 57 min
